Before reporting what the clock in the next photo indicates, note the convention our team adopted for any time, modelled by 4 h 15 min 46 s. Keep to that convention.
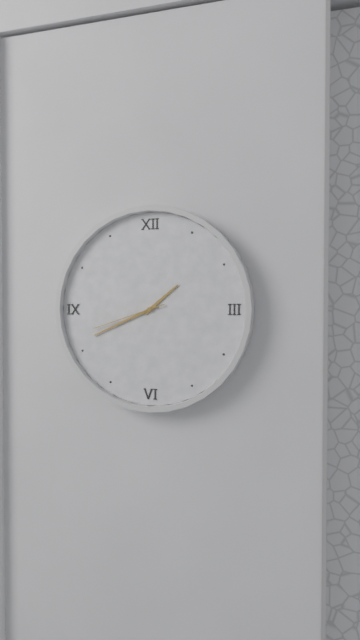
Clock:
1 h 41 min 42 s
